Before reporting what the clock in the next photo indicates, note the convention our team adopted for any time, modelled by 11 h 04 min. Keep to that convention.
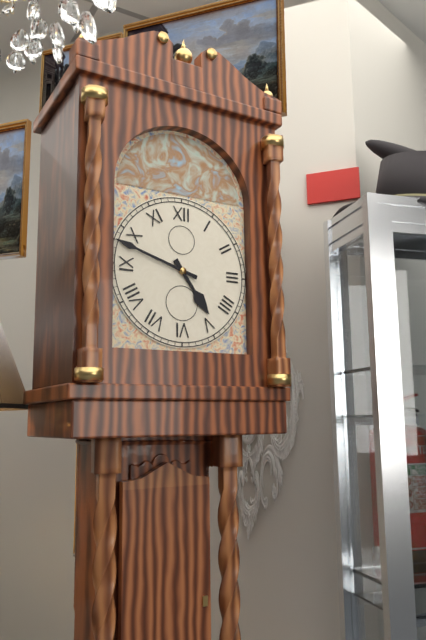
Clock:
4 h 48 min
